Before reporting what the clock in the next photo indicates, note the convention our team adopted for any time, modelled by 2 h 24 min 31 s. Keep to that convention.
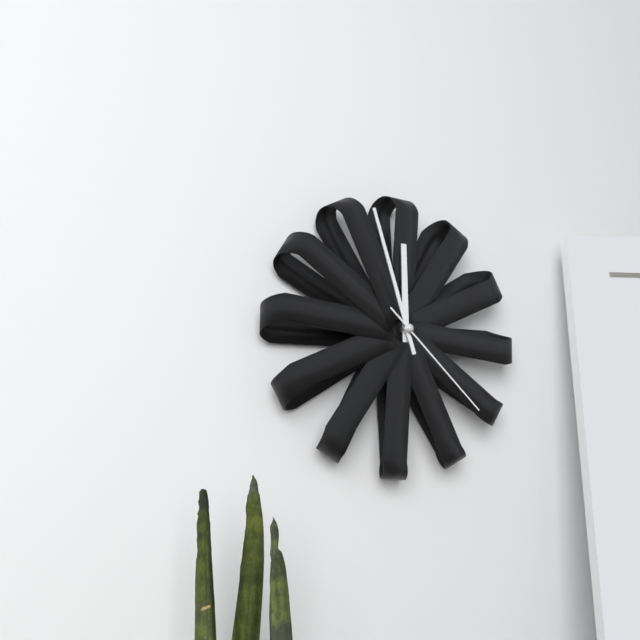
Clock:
11 h 57 min 22 s
